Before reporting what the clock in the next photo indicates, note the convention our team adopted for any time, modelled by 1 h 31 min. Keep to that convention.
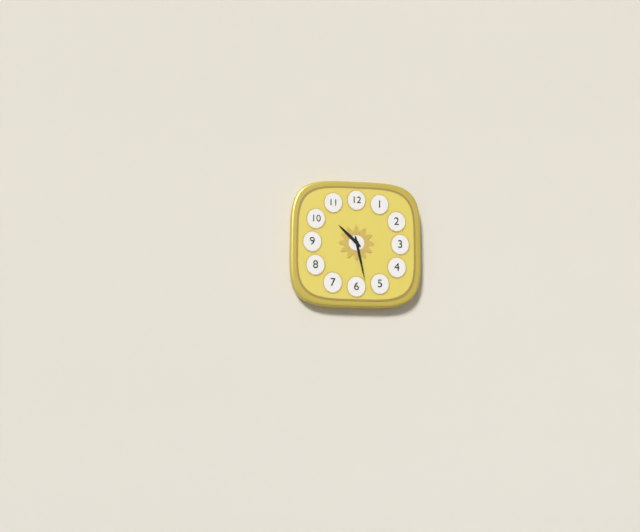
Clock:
10 h 28 min
